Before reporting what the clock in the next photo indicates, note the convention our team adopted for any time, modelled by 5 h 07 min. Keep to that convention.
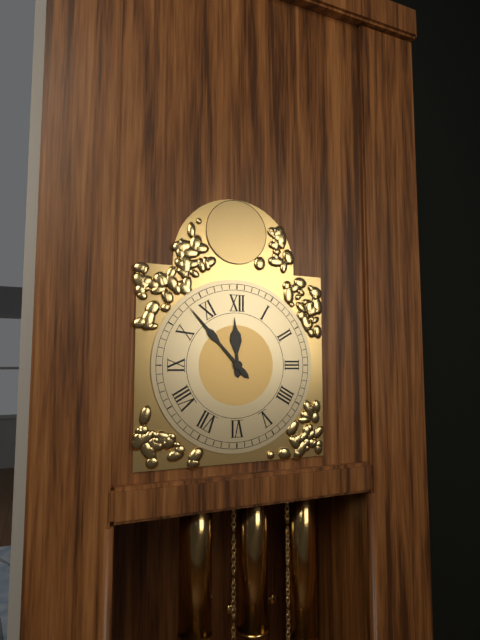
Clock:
11 h 53 min
